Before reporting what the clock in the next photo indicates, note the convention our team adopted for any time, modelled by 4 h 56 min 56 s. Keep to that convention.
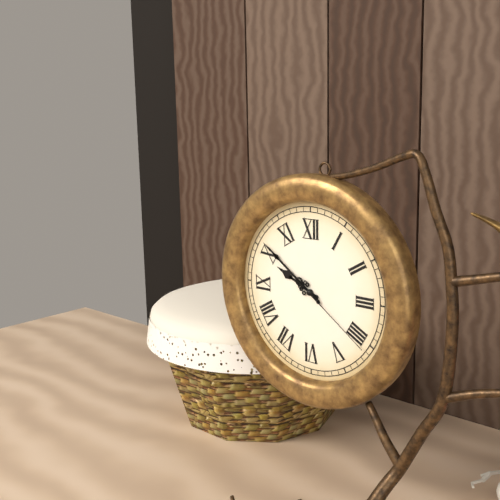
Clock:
9 h 51 min 21 s
